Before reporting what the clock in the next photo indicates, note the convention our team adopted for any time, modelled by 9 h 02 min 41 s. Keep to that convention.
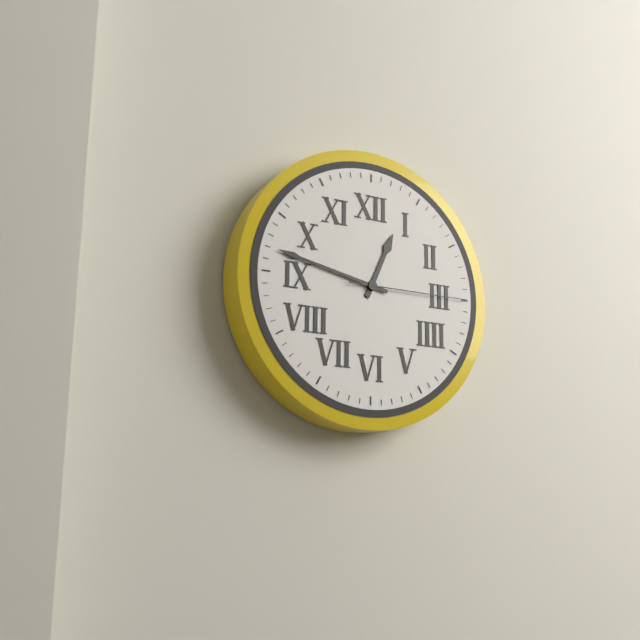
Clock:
12 h 47 min 15 s
